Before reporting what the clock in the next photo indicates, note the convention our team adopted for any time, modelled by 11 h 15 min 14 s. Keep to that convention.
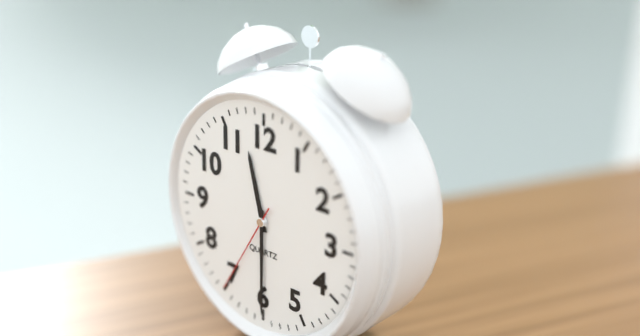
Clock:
11 h 30 min 35 s
